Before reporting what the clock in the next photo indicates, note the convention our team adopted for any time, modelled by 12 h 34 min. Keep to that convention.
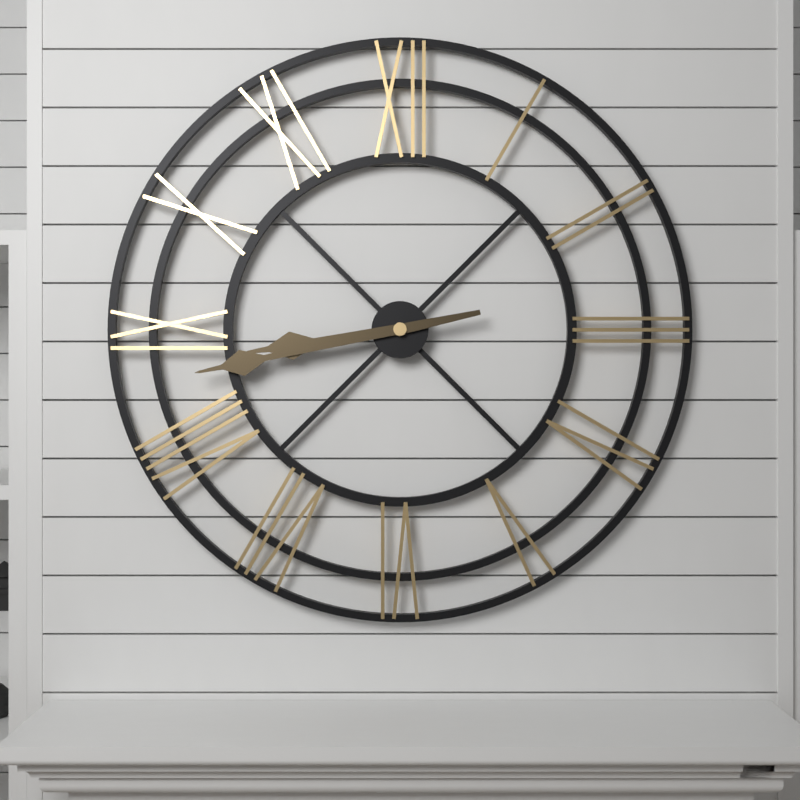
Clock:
8 h 43 min
